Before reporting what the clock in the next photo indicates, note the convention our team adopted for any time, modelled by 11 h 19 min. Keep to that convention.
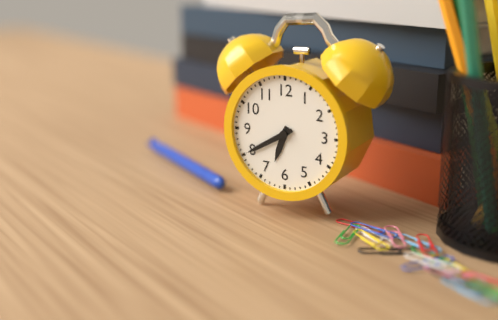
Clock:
6 h 40 min
